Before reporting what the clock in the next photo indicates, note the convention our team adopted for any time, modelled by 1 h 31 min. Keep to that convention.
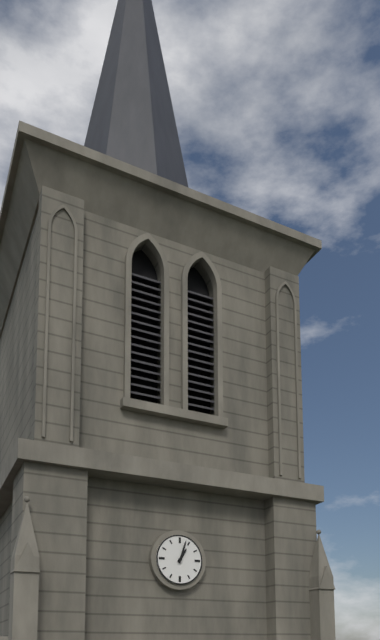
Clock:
1 h 03 min
